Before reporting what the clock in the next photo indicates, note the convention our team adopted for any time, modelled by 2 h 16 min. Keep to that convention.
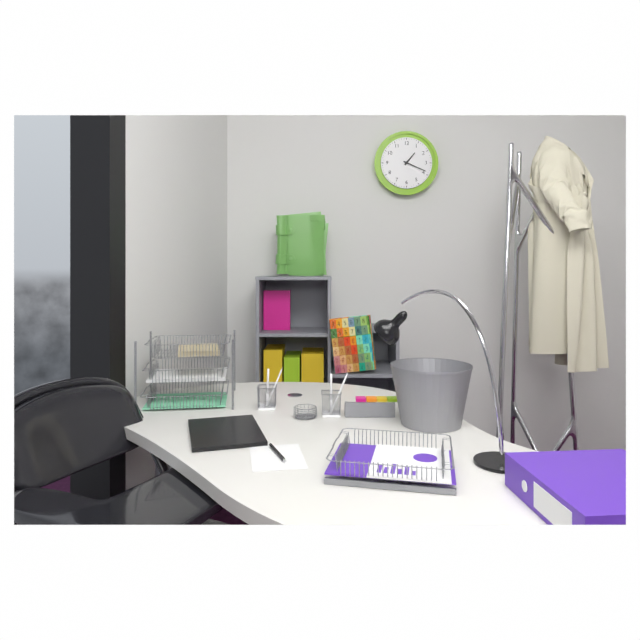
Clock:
1 h 19 min
